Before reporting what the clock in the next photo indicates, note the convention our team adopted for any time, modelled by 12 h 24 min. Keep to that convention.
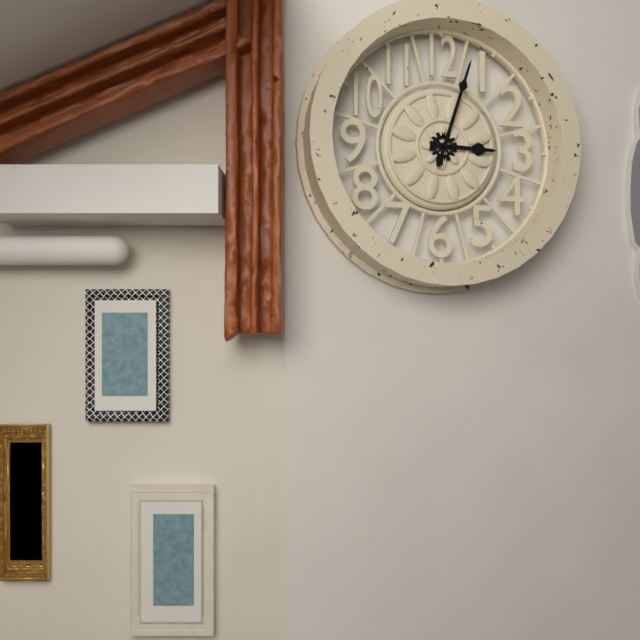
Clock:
3 h 03 min
